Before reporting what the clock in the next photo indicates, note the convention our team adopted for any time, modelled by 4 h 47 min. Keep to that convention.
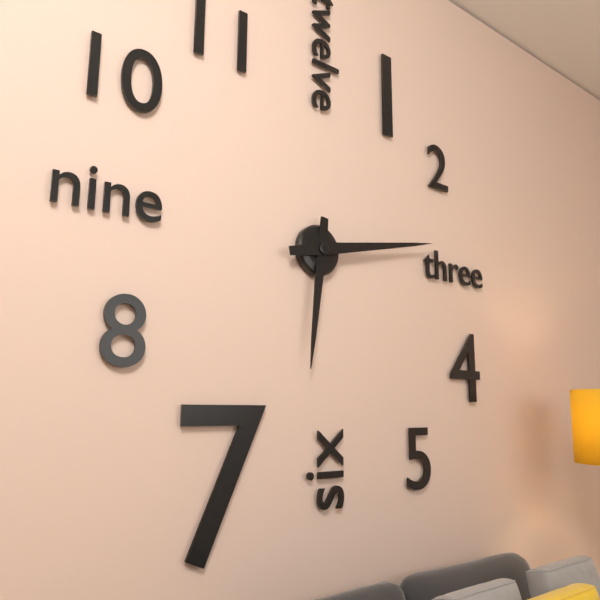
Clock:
6 h 13 min
